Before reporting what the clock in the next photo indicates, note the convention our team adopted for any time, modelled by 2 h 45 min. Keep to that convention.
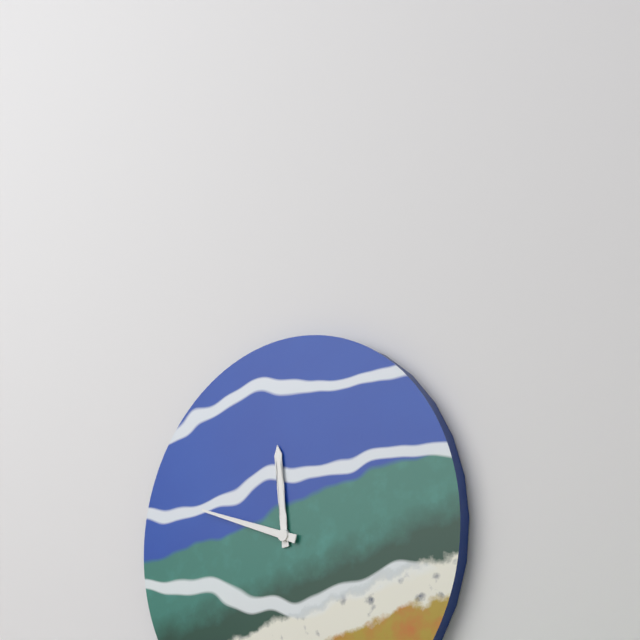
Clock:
11 h 48 min
